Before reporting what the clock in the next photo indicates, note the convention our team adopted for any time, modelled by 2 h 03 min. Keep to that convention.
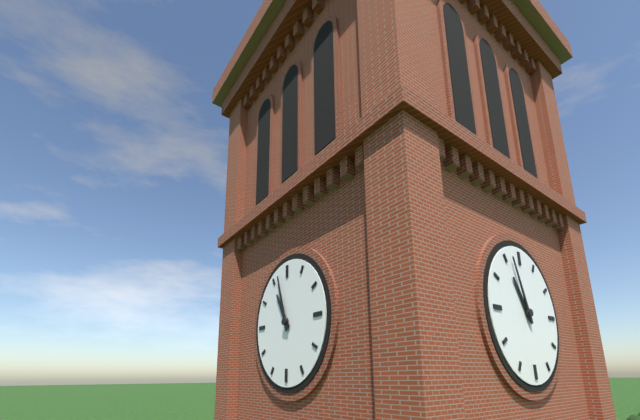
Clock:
10 h 57 min
